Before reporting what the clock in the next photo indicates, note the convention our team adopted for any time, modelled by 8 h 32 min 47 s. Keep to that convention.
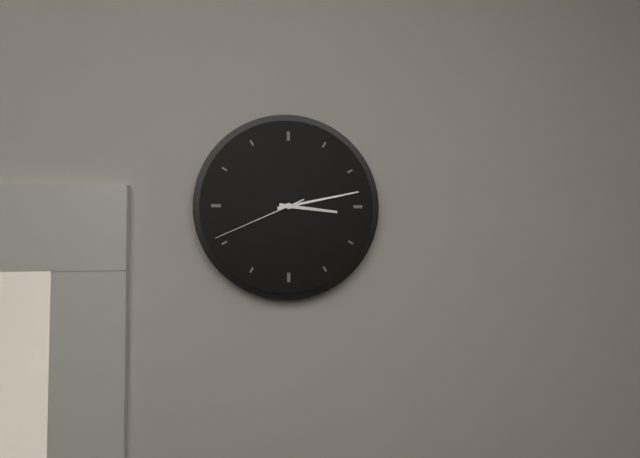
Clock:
3 h 13 min 41 s
